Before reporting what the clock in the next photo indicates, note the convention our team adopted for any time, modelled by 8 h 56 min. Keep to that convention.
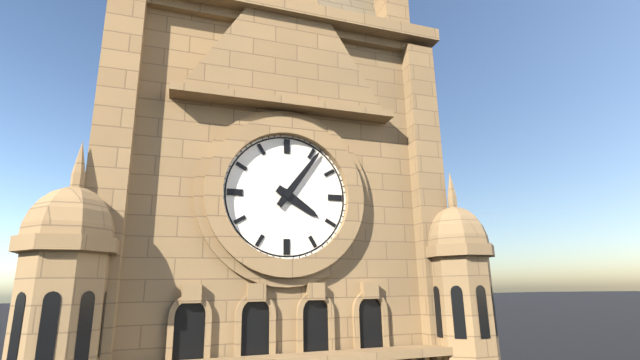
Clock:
4 h 06 min
